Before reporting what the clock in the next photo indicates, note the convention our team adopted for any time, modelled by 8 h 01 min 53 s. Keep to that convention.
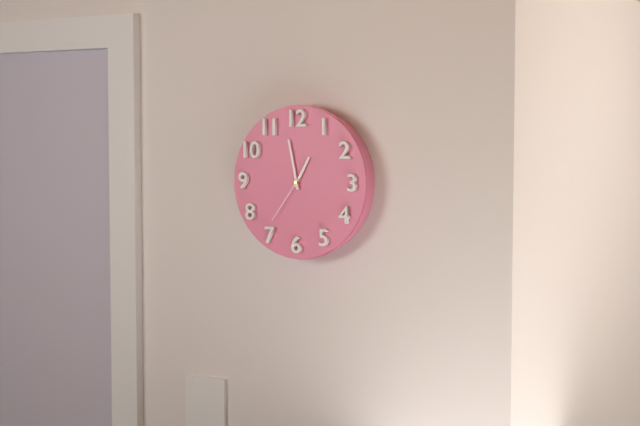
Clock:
12 h 58 min 36 s
